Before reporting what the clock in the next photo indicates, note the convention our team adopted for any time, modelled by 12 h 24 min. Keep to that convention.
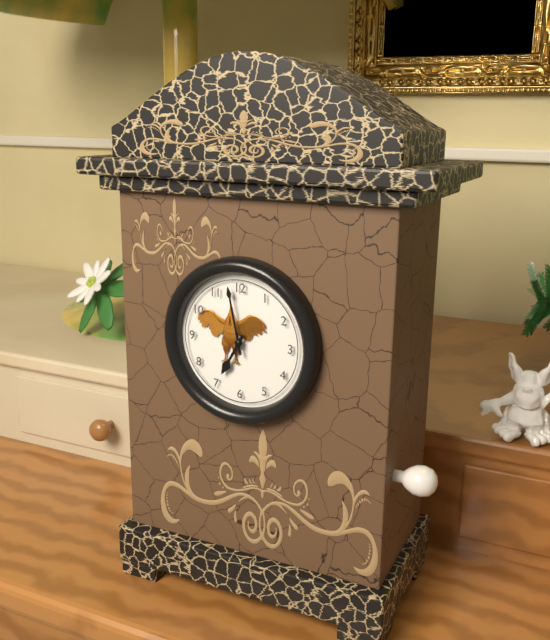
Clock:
6 h 58 min
